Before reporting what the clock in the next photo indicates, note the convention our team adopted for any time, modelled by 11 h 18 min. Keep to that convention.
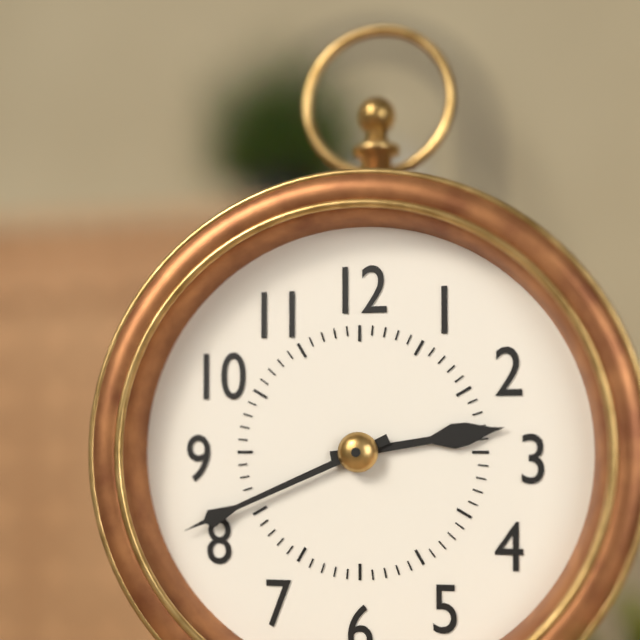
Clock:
2 h 41 min
